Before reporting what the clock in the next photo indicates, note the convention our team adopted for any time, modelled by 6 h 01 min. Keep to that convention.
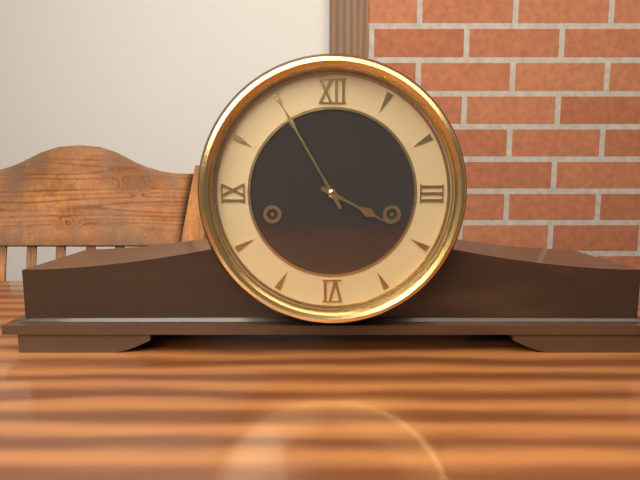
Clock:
3 h 55 min
